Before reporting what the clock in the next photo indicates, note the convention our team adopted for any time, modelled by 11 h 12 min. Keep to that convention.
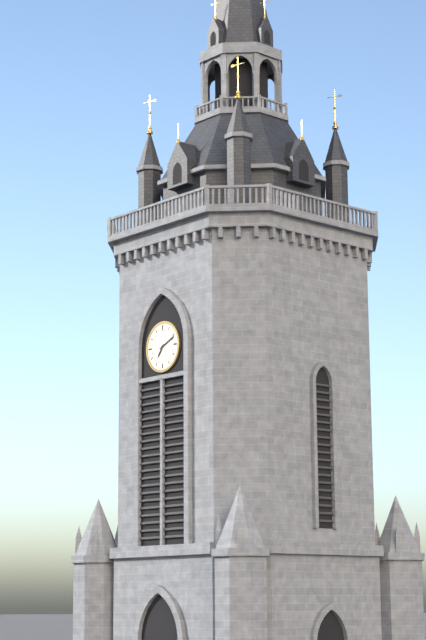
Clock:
7 h 11 min
